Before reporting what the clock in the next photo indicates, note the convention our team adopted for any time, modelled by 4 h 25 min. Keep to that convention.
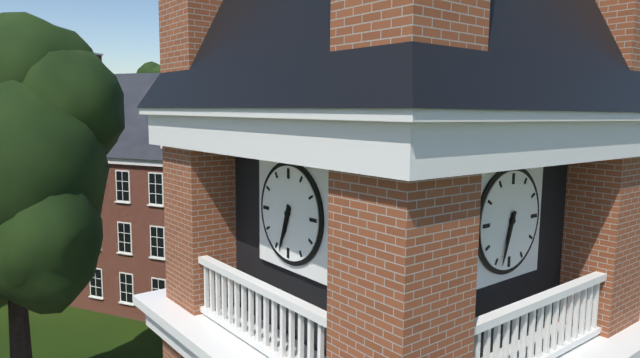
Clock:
6 h 33 min
